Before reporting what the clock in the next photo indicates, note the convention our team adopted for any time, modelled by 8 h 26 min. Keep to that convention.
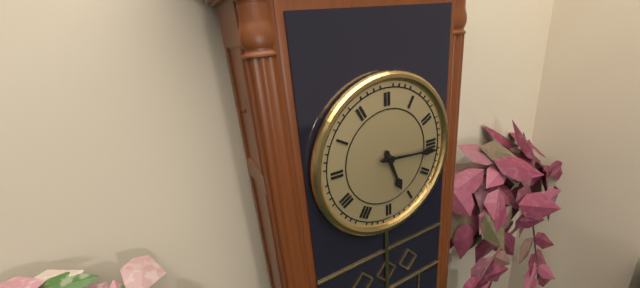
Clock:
5 h 16 min
